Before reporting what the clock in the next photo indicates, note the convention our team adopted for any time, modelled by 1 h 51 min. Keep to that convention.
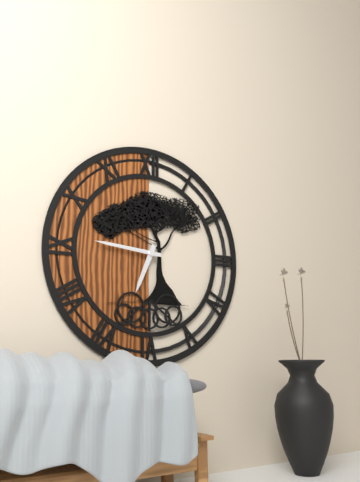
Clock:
6 h 46 min
